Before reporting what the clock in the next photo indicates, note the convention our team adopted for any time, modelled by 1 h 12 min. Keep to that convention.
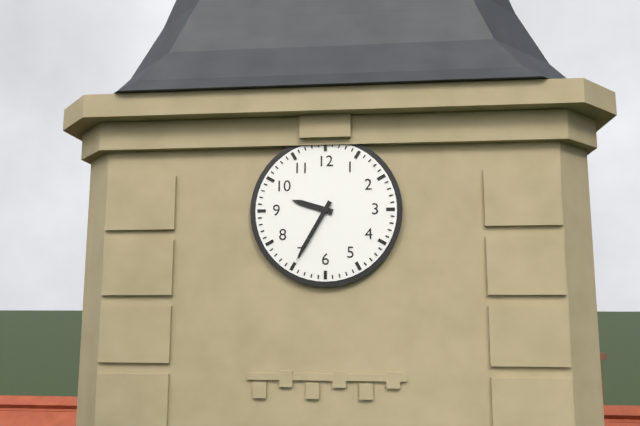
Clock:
9 h 35 min
